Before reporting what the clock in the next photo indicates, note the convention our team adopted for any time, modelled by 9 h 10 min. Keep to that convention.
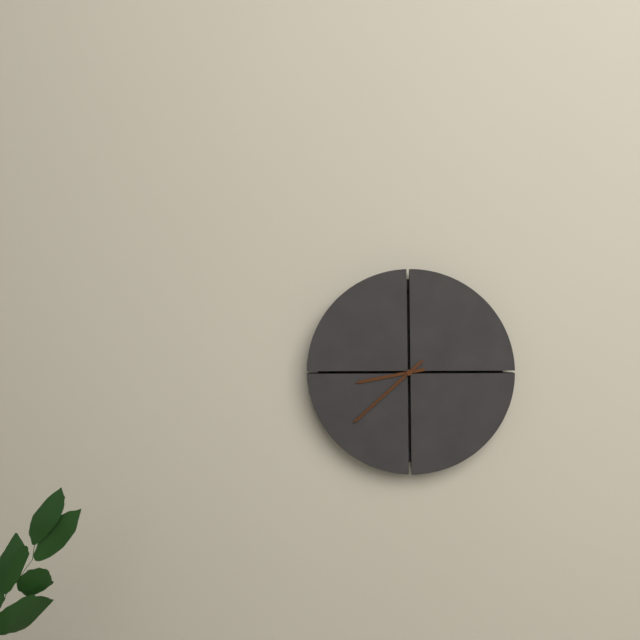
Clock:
8 h 38 min
